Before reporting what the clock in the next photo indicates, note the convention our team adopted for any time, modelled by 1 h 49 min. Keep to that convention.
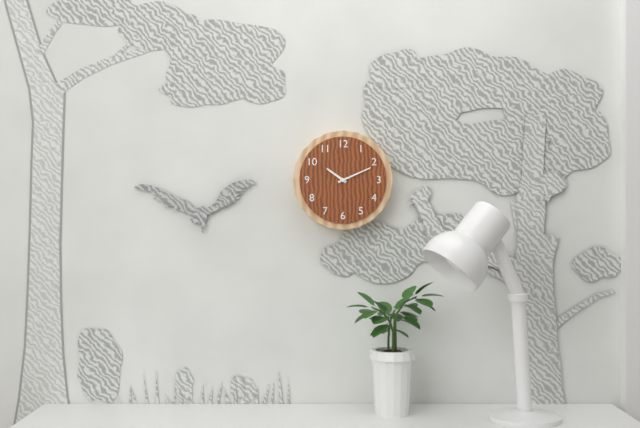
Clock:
10 h 11 min
